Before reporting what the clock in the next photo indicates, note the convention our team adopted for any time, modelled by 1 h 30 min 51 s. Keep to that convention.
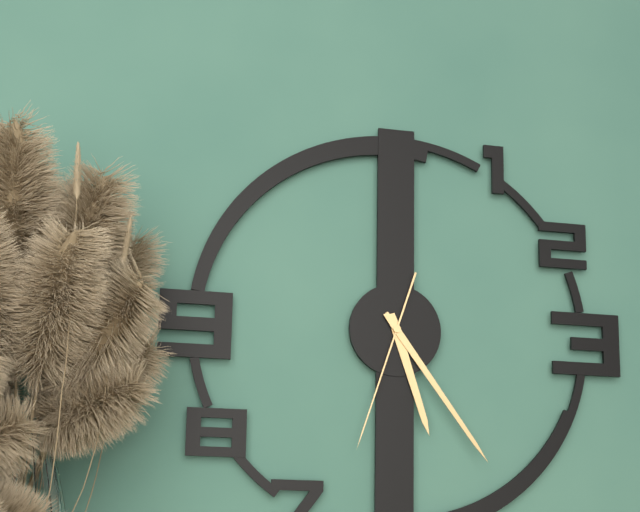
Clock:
5 h 24 min 33 s
